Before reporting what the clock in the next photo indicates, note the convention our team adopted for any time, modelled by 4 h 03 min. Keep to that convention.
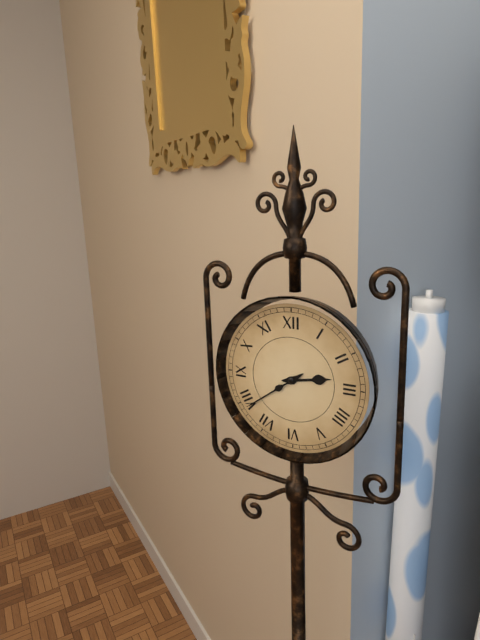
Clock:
2 h 39 min
